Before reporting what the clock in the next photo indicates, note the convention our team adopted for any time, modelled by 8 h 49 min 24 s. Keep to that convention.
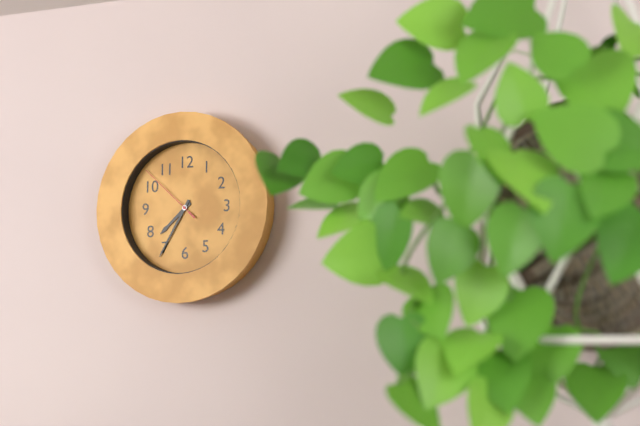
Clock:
7 h 35 min 52 s
